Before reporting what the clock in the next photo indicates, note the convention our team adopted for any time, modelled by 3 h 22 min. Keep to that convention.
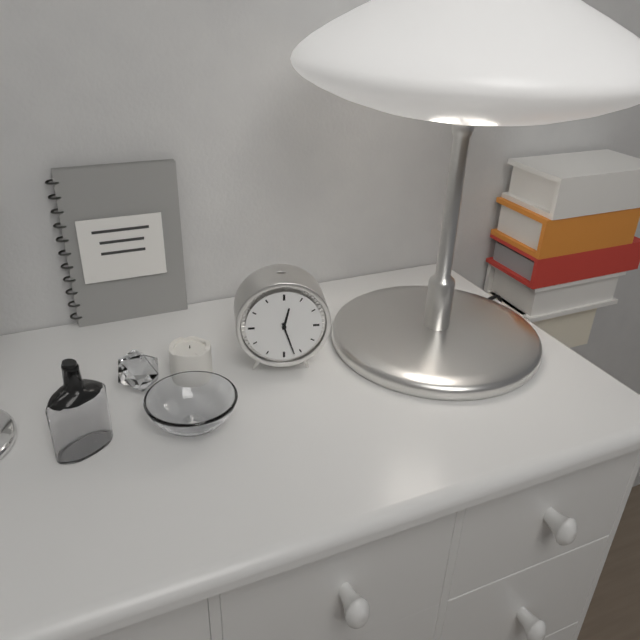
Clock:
12 h 27 min
